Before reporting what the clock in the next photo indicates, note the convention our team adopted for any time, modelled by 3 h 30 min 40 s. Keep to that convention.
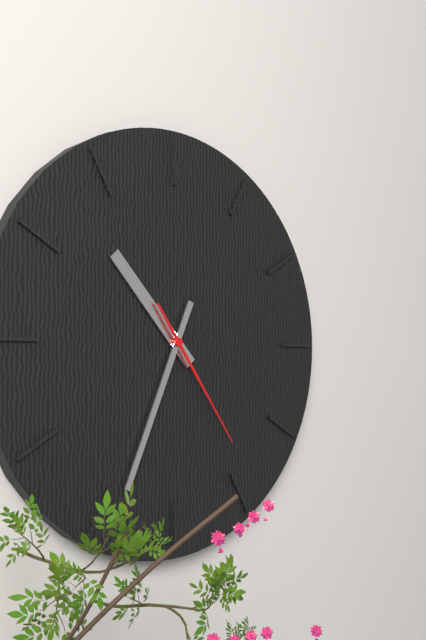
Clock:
10 h 34 min 24 s
